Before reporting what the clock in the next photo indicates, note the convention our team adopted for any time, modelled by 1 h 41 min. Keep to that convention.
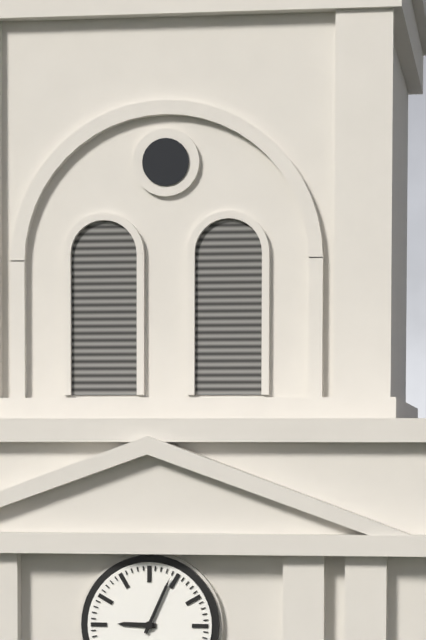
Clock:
9 h 04 min
